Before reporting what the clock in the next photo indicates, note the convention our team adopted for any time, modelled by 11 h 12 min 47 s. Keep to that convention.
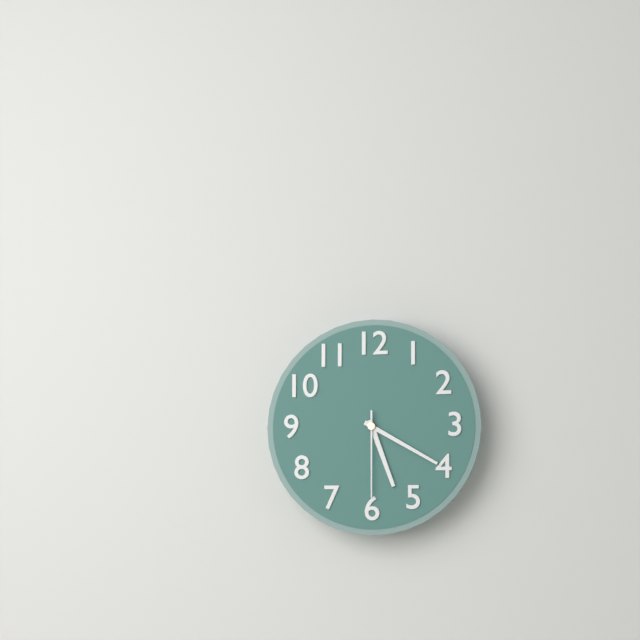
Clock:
5 h 20 min 30 s
